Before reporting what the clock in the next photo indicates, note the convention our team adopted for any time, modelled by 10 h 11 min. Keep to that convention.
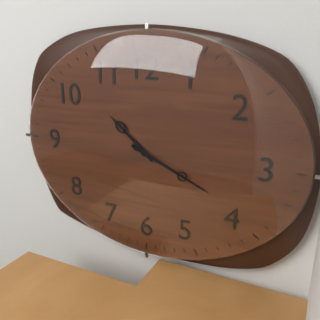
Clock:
10 h 19 min
